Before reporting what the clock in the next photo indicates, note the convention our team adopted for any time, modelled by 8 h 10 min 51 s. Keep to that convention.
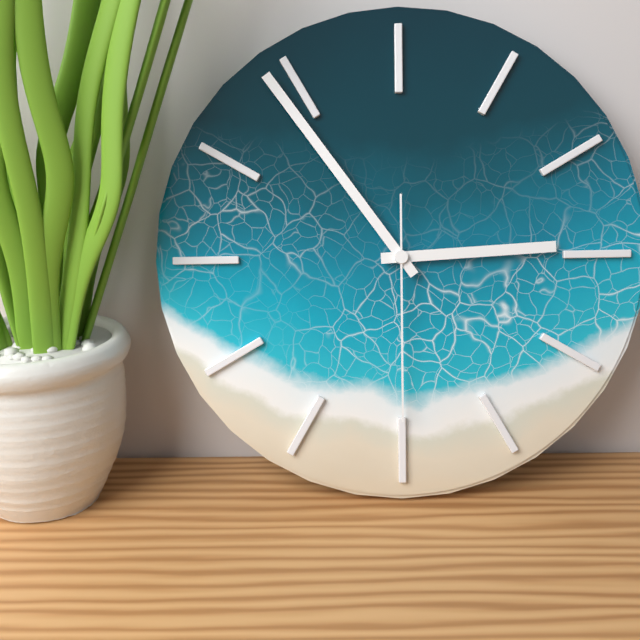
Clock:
2 h 54 min 30 s
